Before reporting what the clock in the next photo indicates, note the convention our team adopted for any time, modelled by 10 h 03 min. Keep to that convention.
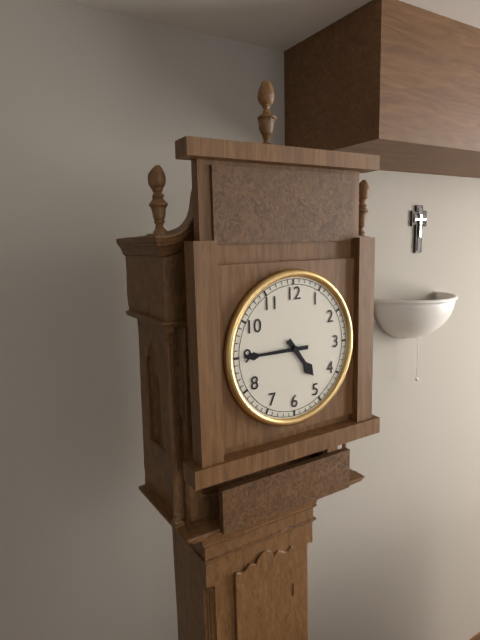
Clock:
4 h 45 min
